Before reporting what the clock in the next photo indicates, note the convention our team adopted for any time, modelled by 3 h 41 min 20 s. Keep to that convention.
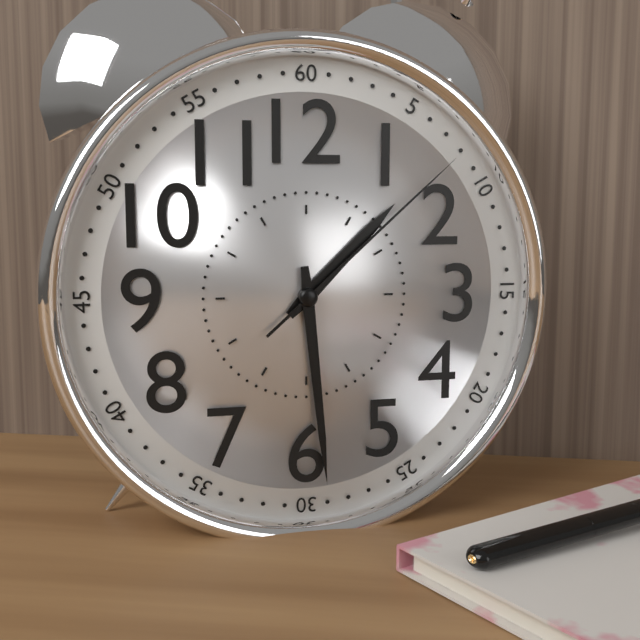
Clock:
1 h 29 min 08 s
